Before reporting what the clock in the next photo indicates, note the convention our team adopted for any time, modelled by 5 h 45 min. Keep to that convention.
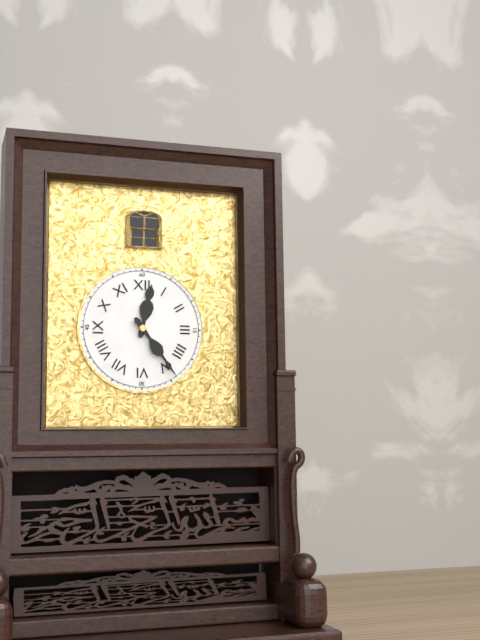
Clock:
12 h 24 min
